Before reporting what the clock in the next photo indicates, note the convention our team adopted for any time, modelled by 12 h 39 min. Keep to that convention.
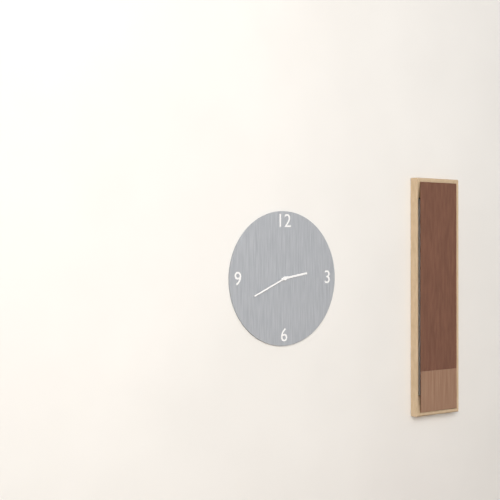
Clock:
2 h 41 min
